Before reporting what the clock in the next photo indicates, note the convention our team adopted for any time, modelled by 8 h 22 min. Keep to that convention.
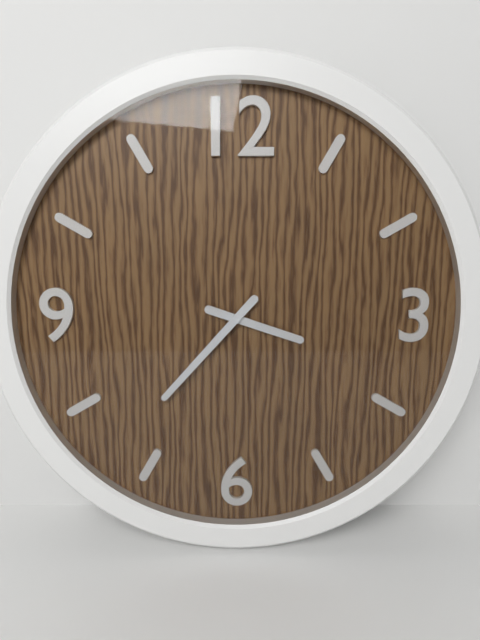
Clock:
3 h 37 min
